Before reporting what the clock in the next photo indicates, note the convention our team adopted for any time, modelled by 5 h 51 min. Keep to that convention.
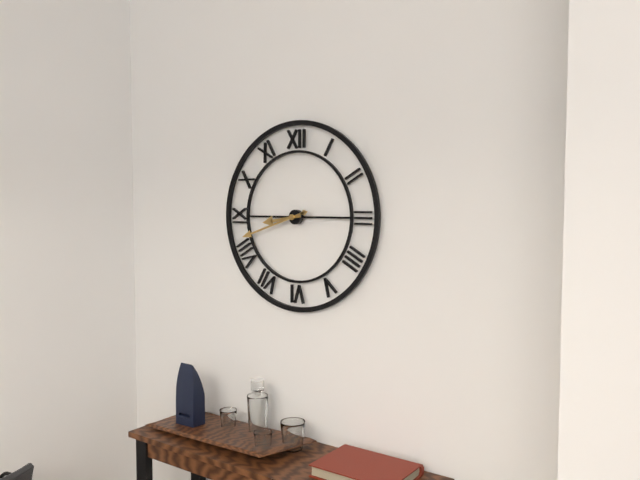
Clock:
8 h 42 min
